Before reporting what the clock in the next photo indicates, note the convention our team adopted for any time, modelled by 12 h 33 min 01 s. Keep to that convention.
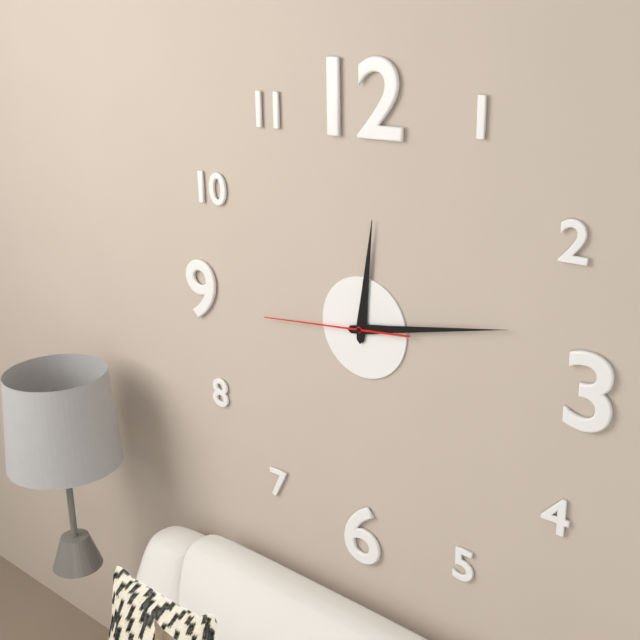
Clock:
12 h 13 min 44 s
